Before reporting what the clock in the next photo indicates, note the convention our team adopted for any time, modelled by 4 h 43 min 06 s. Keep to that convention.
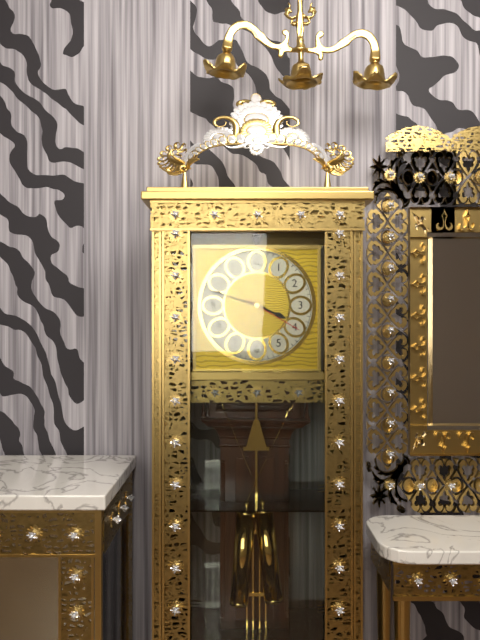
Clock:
3 h 48 min 20 s
